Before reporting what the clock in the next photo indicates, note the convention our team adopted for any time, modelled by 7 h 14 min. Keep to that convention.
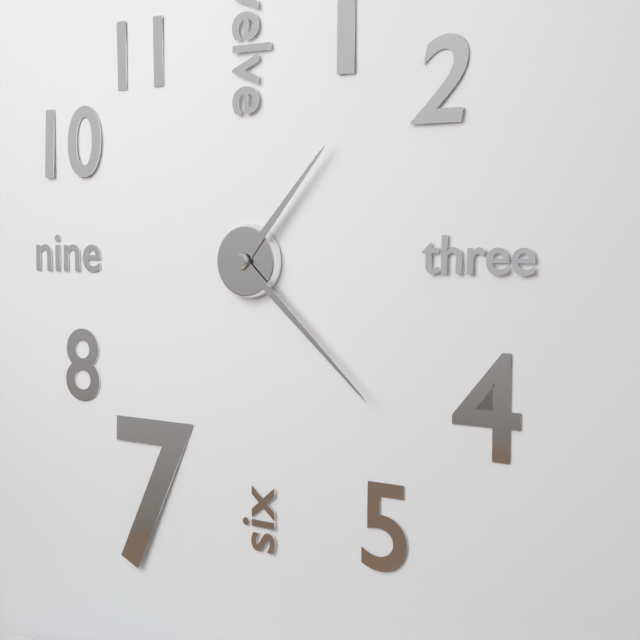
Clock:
1 h 22 min
